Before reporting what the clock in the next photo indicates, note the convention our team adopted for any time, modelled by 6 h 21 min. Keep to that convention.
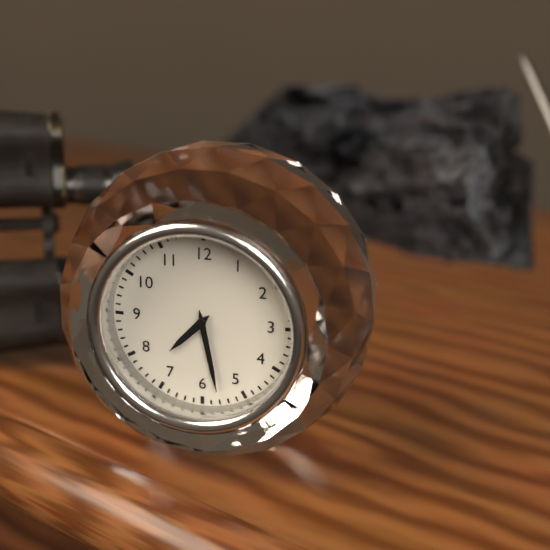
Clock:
7 h 28 min
